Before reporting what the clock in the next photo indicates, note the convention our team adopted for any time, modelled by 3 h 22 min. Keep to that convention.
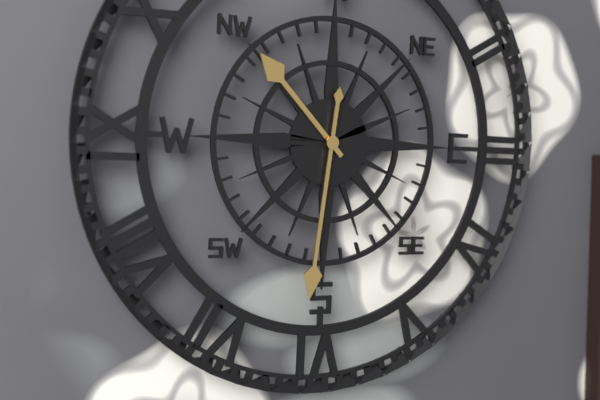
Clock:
10 h 31 min
